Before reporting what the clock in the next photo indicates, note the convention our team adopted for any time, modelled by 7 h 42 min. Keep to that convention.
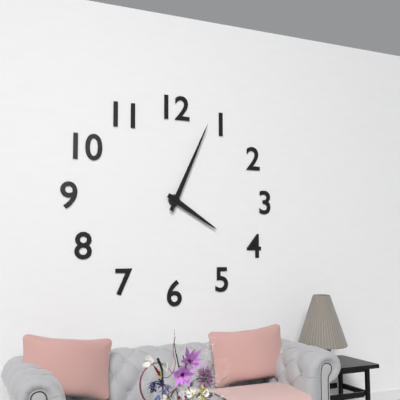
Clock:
4 h 04 min
